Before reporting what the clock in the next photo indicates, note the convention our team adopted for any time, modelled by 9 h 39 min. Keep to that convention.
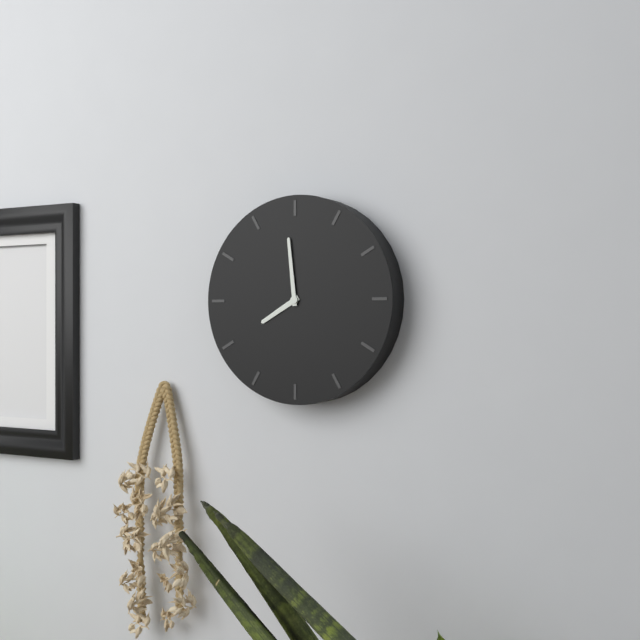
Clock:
7 h 59 min
